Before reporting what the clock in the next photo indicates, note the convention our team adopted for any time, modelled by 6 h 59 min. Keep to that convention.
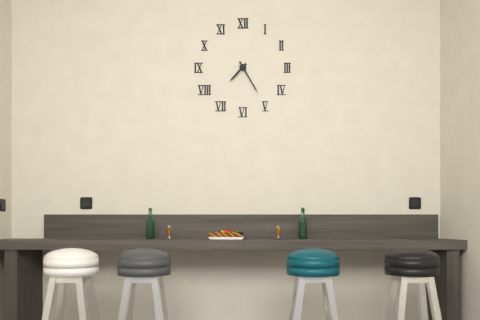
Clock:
7 h 25 min
